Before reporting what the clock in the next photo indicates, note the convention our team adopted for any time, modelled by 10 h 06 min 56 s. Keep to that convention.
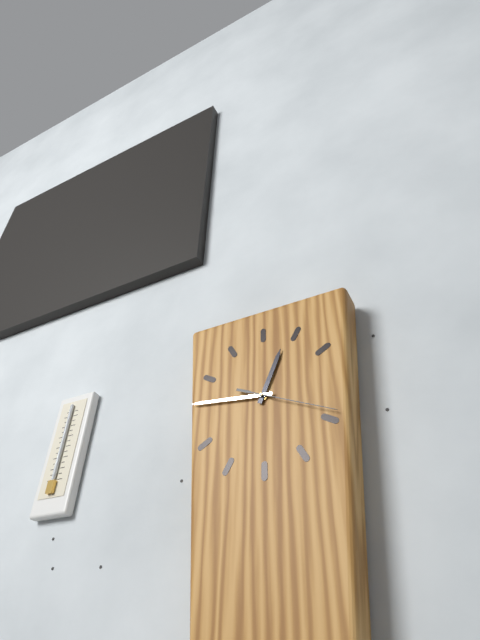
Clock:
12 h 46 min 19 s
